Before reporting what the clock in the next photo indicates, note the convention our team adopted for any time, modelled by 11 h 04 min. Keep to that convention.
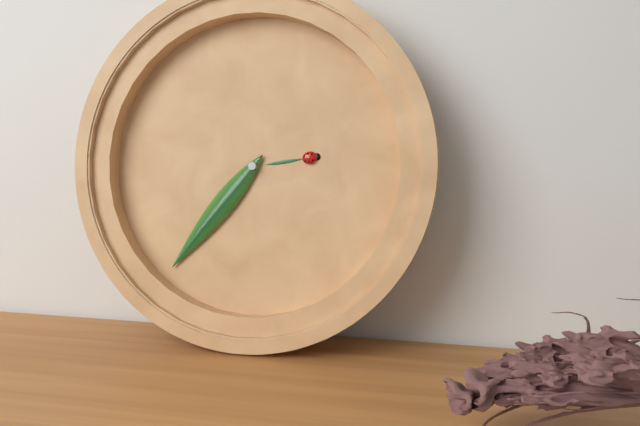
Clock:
2 h 36 min
